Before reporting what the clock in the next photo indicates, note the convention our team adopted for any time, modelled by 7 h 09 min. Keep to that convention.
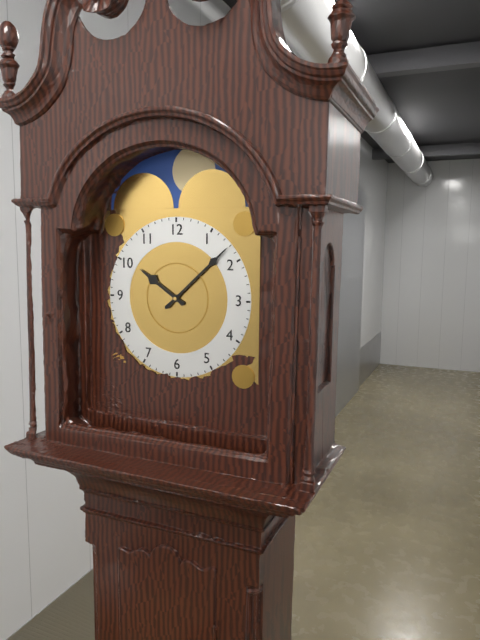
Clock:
10 h 08 min
